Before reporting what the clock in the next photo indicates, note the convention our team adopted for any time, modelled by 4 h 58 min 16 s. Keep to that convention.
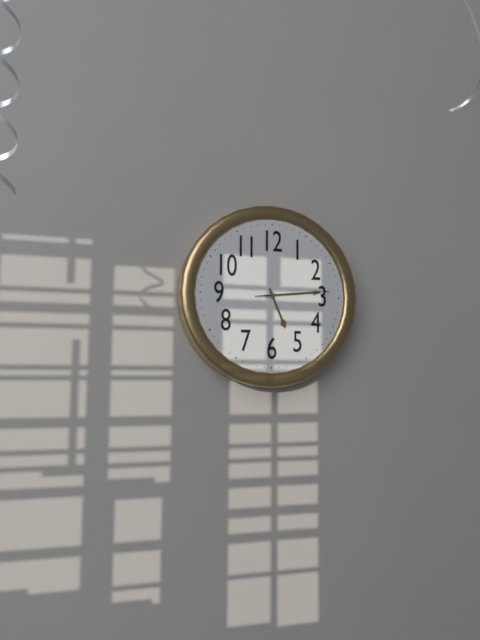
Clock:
5 h 14 min 14 s
